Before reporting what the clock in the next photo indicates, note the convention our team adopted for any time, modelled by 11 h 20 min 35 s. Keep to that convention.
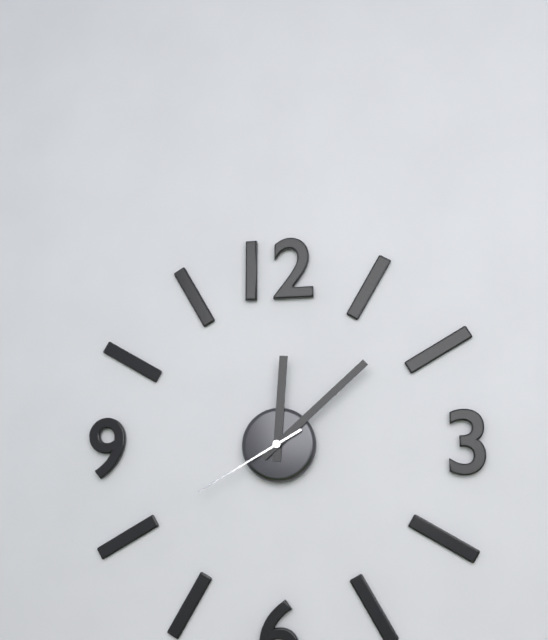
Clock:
12 h 08 min 40 s
